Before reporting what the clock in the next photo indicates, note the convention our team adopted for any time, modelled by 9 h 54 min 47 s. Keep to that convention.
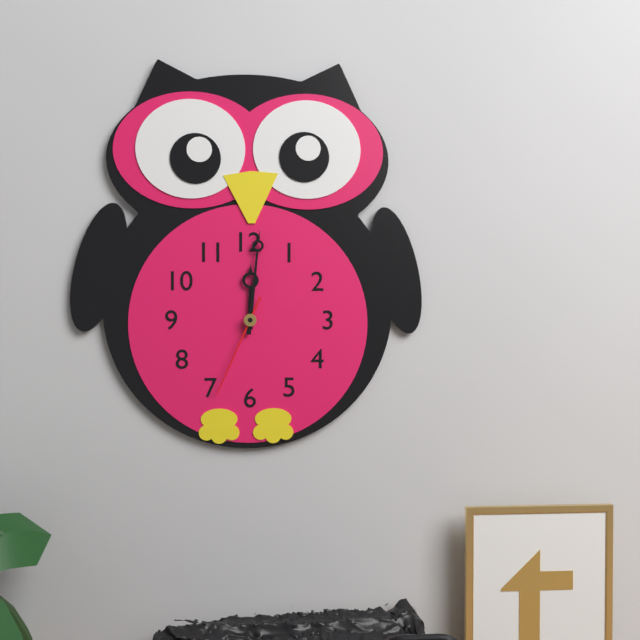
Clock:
12 h 01 min 34 s
